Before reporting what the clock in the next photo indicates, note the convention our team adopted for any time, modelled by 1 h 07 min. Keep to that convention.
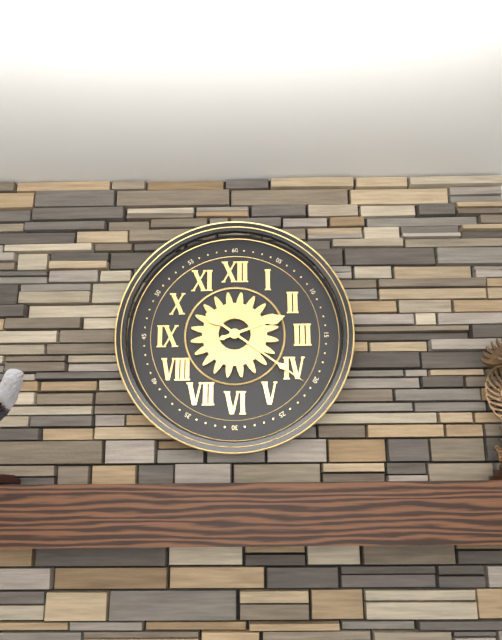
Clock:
2 h 21 min
